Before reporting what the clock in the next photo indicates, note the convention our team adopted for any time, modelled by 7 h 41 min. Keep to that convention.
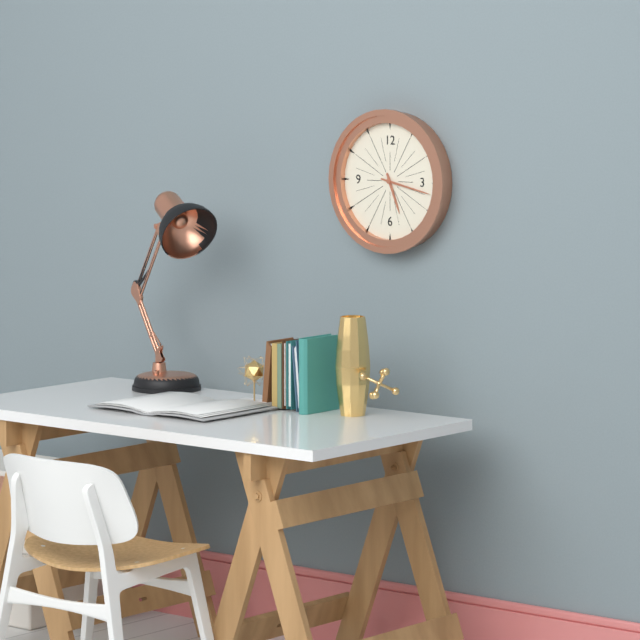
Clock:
5 h 17 min
